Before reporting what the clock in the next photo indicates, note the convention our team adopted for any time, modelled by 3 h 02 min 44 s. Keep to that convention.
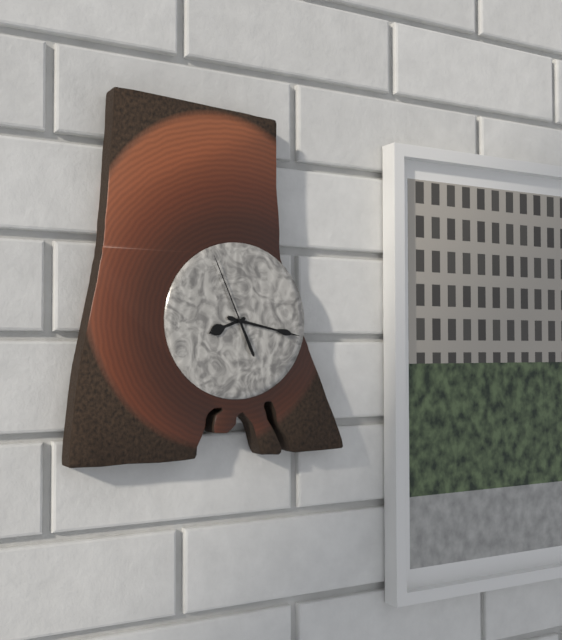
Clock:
8 h 17 min 56 s
